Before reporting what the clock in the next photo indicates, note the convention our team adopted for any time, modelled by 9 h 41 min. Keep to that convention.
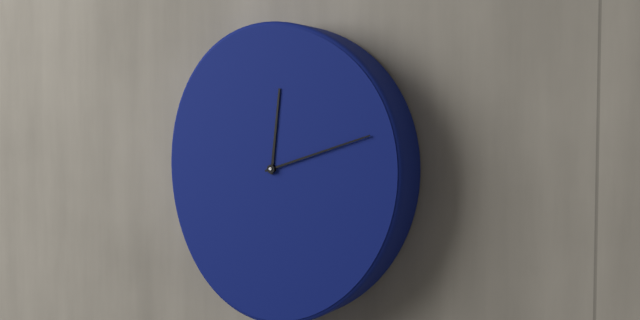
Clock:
12 h 12 min
